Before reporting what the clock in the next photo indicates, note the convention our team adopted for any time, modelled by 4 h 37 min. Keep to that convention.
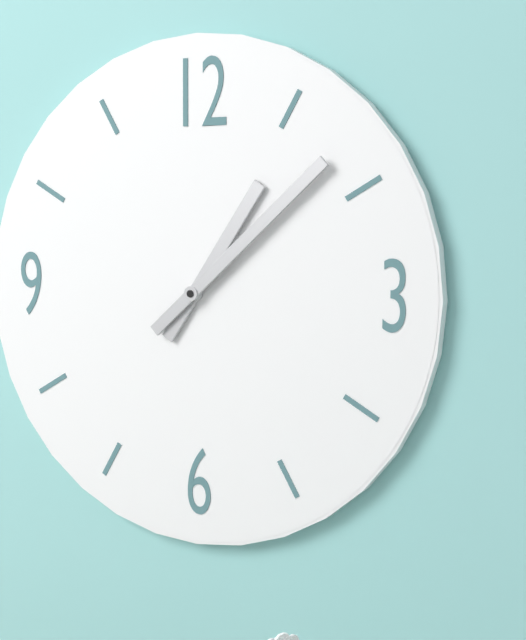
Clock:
1 h 08 min
